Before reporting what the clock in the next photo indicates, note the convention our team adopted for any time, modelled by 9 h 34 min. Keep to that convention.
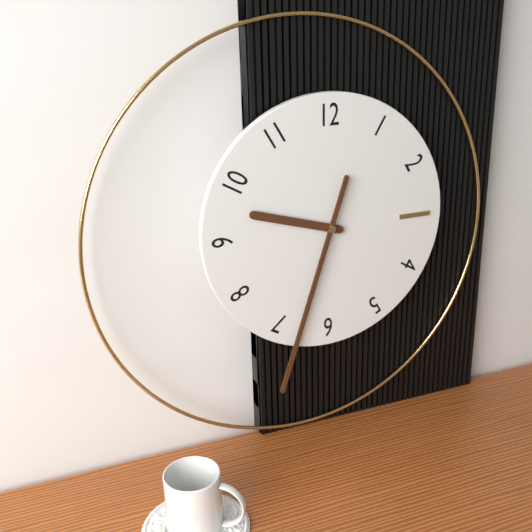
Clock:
9 h 33 min
